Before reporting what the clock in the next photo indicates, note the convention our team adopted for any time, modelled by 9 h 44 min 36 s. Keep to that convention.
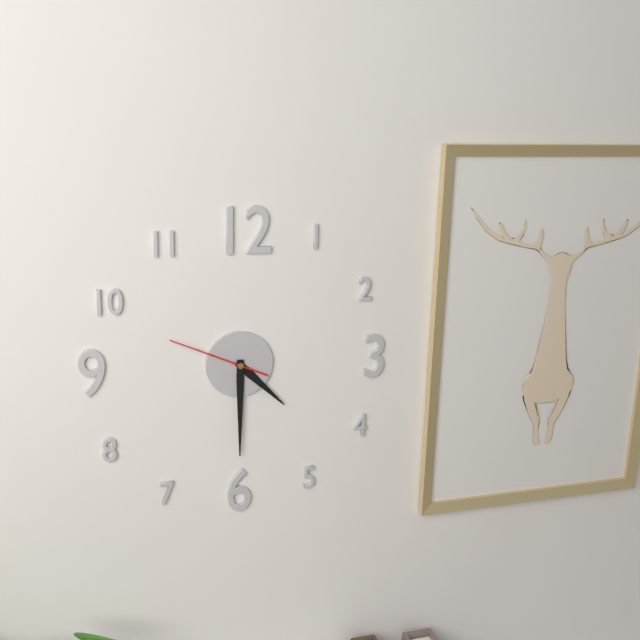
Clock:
4 h 30 min 49 s
